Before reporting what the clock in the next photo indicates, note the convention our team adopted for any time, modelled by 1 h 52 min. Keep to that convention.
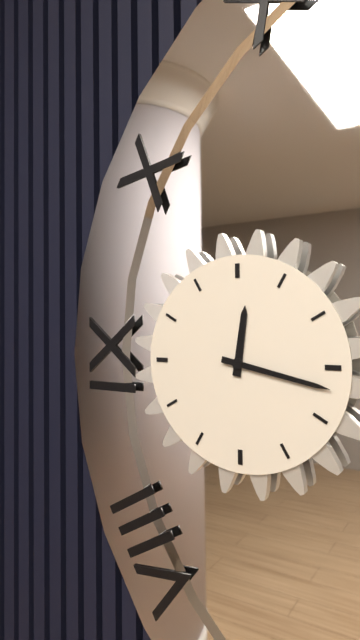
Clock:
12 h 17 min
